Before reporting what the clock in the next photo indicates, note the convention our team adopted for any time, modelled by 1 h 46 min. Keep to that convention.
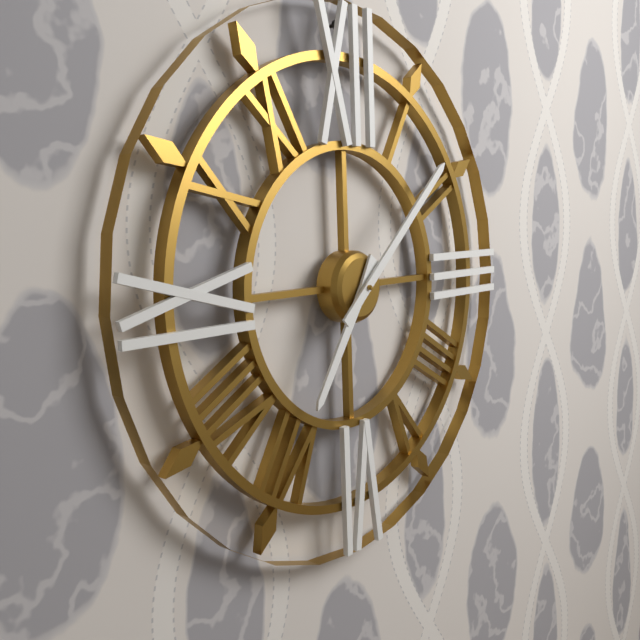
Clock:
7 h 08 min
